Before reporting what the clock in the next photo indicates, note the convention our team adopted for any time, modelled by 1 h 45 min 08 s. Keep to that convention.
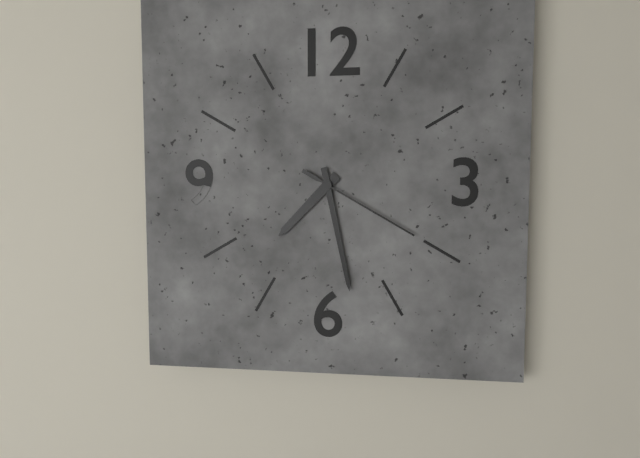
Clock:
7 h 28 min 20 s
